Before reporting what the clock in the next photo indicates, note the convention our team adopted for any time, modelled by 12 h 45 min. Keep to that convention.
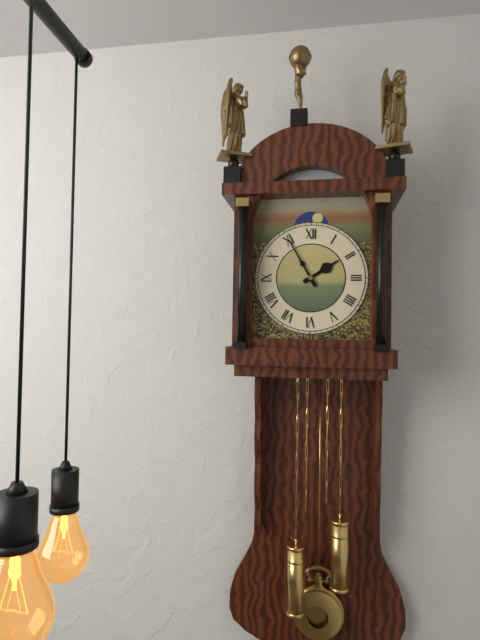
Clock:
1 h 55 min
